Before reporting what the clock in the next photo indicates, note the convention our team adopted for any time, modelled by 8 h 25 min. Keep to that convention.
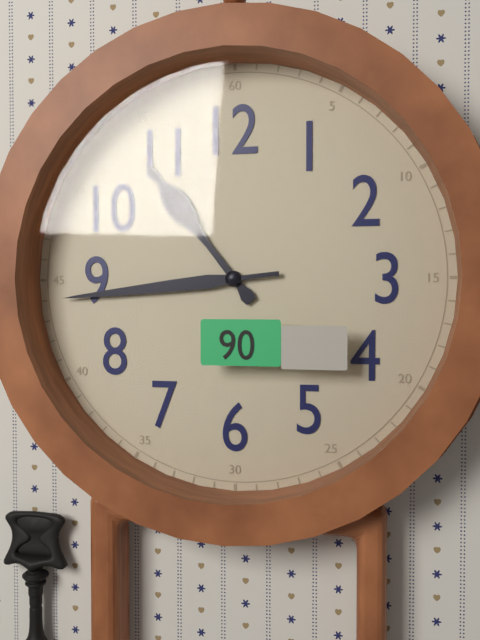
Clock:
10 h 44 min
